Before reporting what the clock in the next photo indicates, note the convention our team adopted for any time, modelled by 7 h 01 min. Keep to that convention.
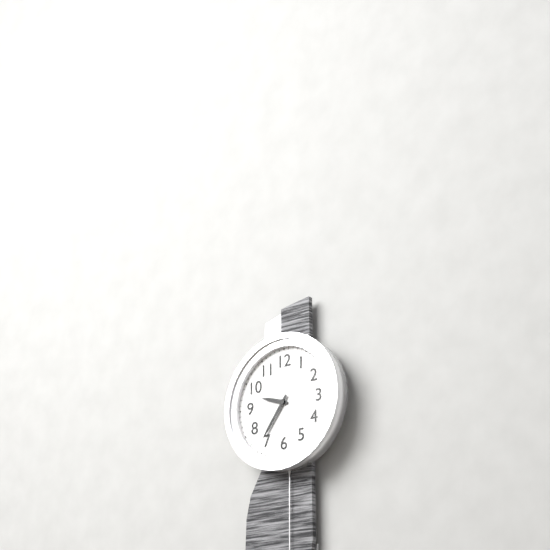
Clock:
9 h 36 min
